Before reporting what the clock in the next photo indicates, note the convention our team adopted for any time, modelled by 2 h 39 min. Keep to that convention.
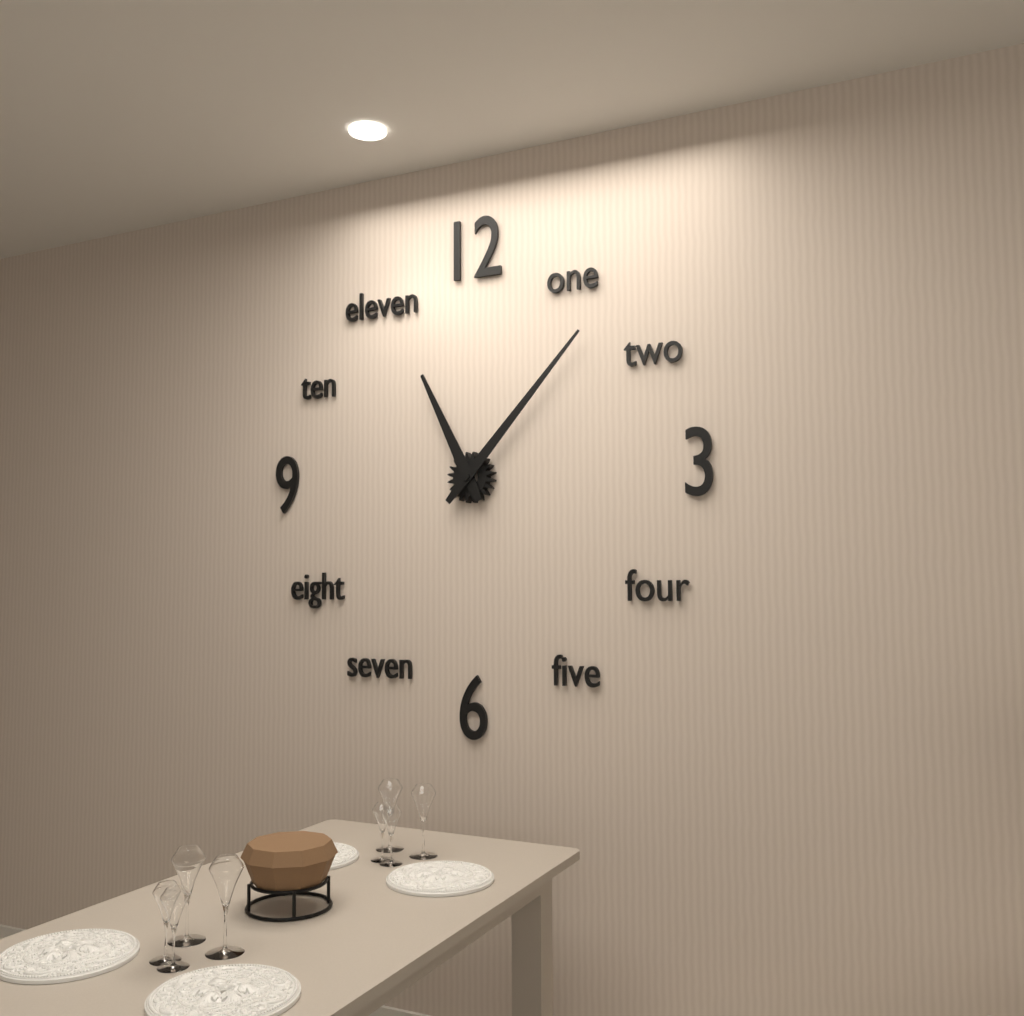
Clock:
11 h 07 min
